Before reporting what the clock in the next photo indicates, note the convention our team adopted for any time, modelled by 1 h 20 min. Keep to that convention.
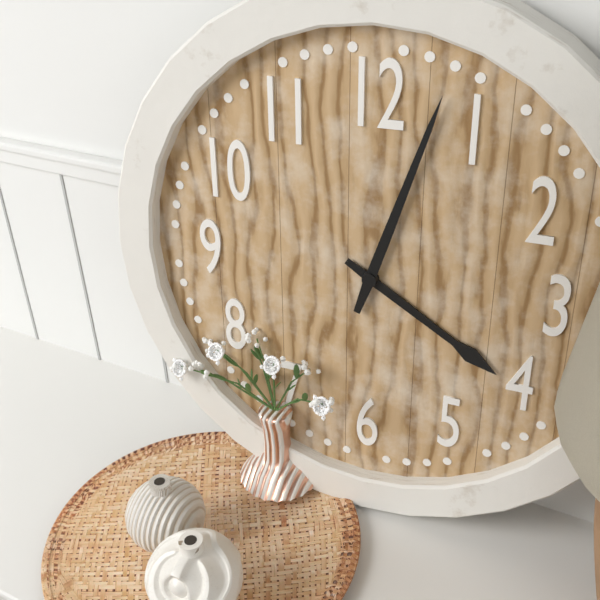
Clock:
4 h 03 min
